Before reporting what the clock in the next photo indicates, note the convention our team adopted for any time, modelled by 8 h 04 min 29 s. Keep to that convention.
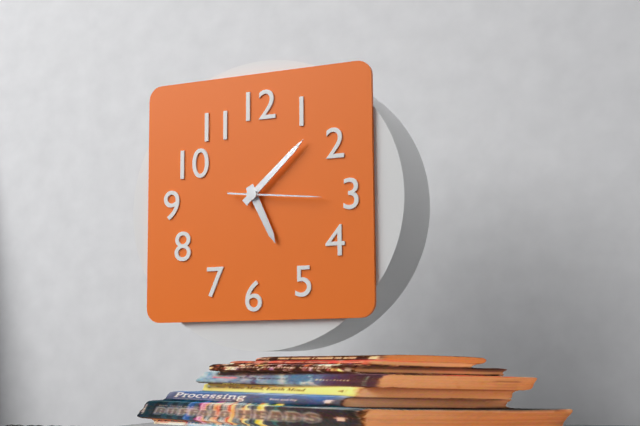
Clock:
5 h 08 min 16 s
